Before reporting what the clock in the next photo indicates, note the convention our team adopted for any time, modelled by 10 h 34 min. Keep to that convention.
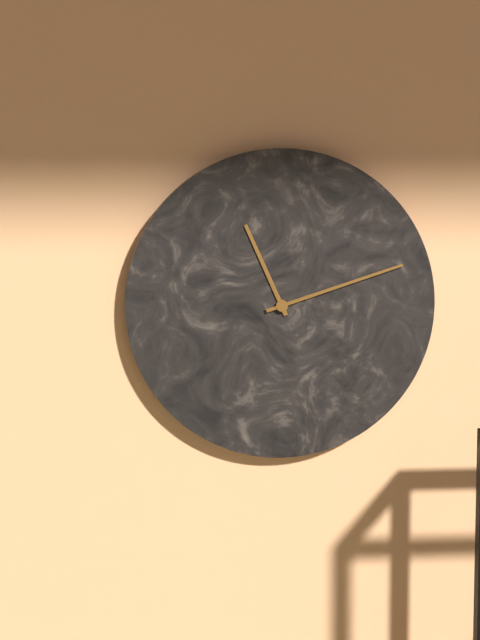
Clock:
11 h 12 min
